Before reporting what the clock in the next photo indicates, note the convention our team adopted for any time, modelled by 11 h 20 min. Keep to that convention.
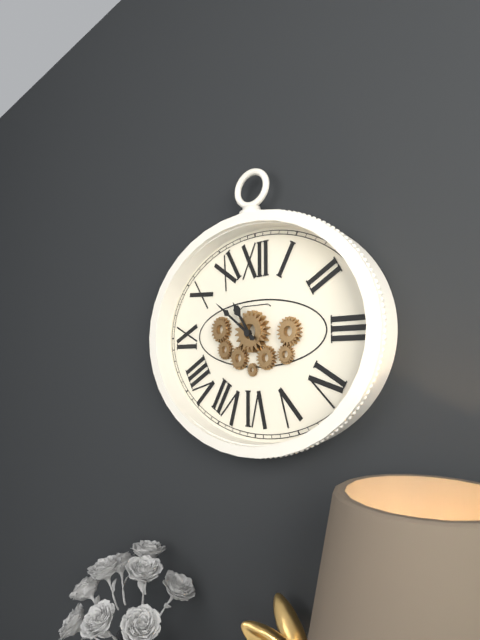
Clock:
10 h 51 min
